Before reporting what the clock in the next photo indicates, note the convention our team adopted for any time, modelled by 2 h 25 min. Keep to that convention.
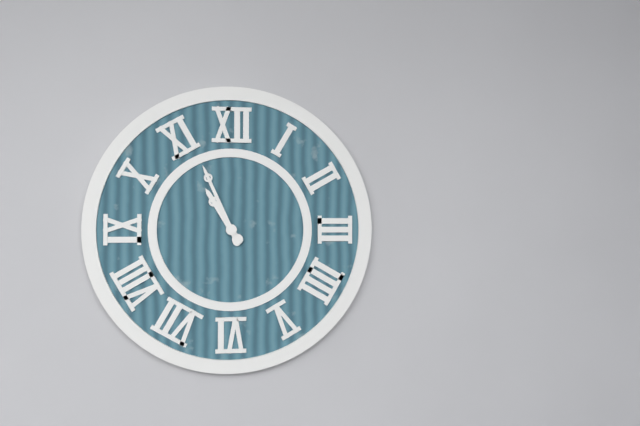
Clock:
10 h 56 min
